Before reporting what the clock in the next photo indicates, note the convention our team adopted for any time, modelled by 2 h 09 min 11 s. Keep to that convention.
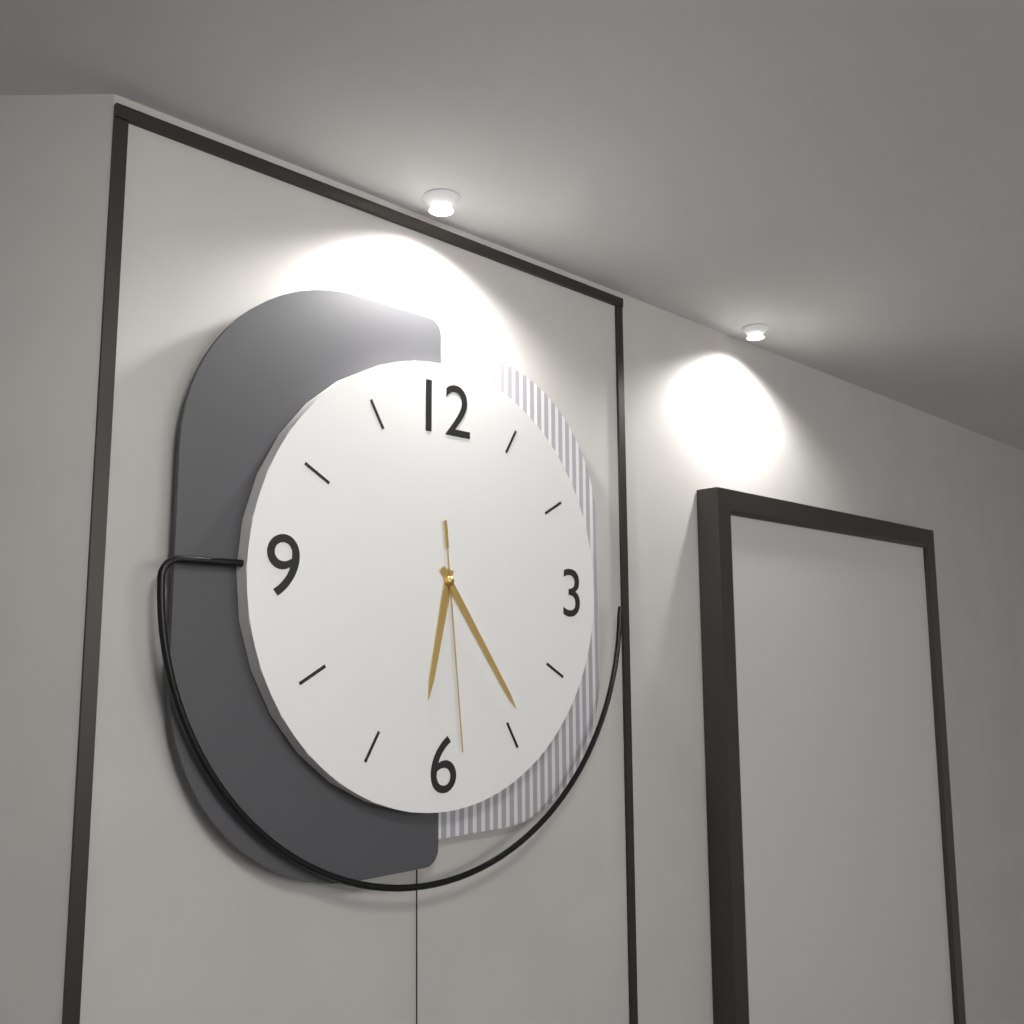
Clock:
6 h 24 min 29 s
